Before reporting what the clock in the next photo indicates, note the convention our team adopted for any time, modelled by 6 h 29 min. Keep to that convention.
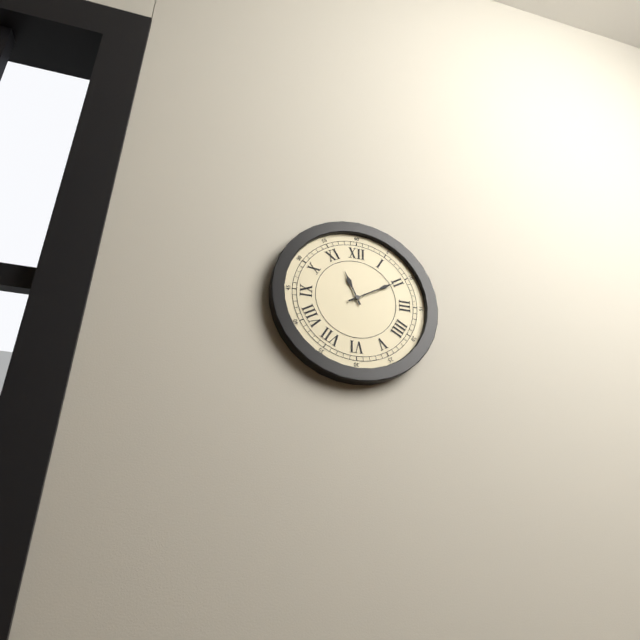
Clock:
11 h 10 min
